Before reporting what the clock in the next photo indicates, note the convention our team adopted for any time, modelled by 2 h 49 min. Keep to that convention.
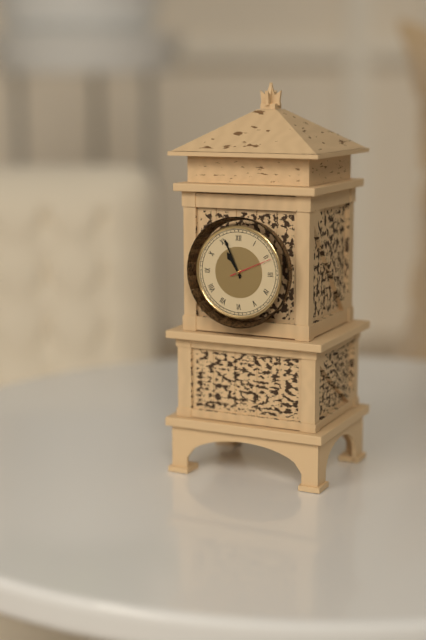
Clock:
10 h 56 min
